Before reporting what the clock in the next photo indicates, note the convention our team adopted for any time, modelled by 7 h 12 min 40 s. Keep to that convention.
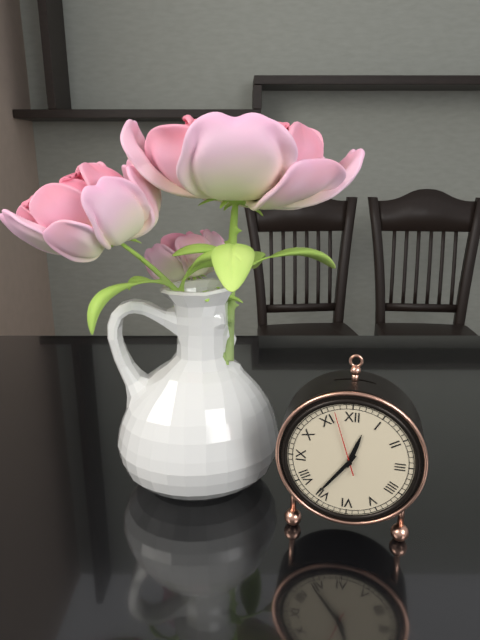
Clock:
12 h 36 min 57 s
